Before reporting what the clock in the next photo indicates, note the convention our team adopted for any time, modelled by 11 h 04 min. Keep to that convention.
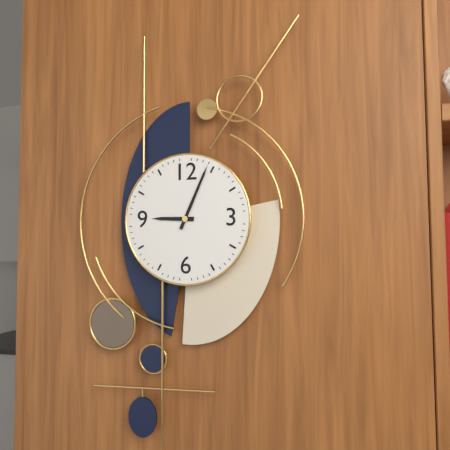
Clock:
9 h 04 min
